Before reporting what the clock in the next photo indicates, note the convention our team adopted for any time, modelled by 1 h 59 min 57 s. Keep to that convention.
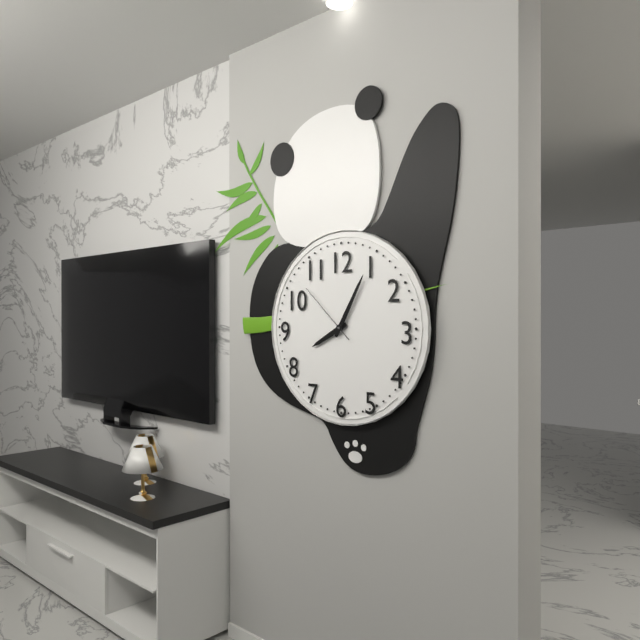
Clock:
8 h 05 min 52 s
